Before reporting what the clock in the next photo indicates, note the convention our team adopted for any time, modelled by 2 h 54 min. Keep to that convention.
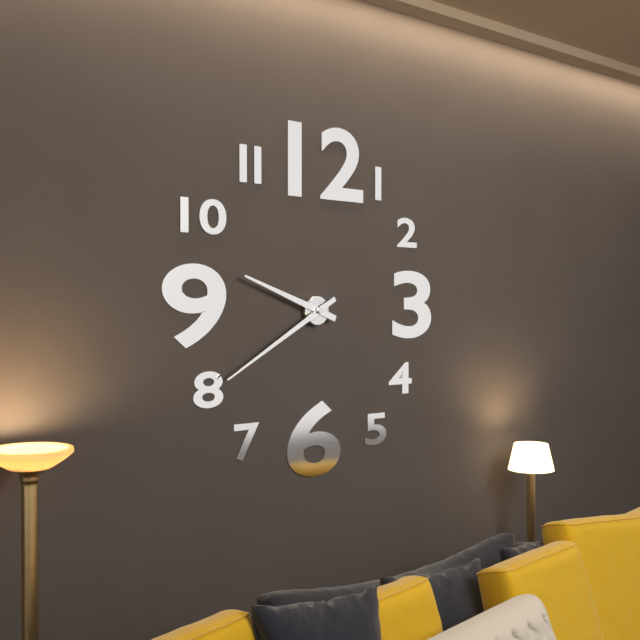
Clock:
9 h 40 min
